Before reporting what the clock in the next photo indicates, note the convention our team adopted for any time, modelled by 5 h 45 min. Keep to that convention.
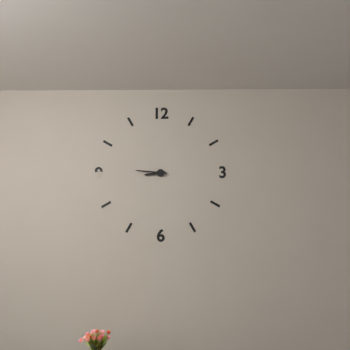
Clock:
8 h 46 min
